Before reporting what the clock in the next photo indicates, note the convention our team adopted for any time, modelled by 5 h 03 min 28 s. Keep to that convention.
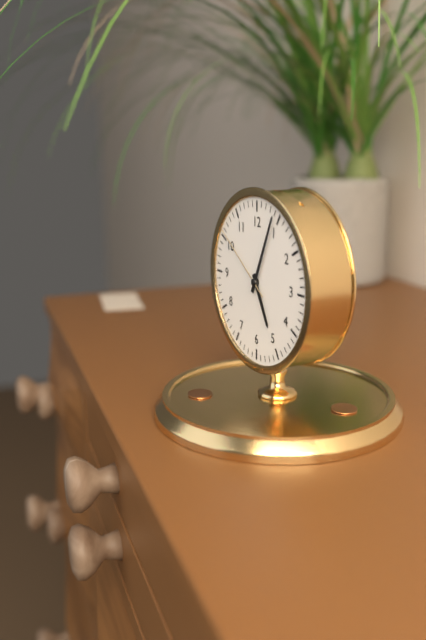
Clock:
5 h 04 min 51 s
